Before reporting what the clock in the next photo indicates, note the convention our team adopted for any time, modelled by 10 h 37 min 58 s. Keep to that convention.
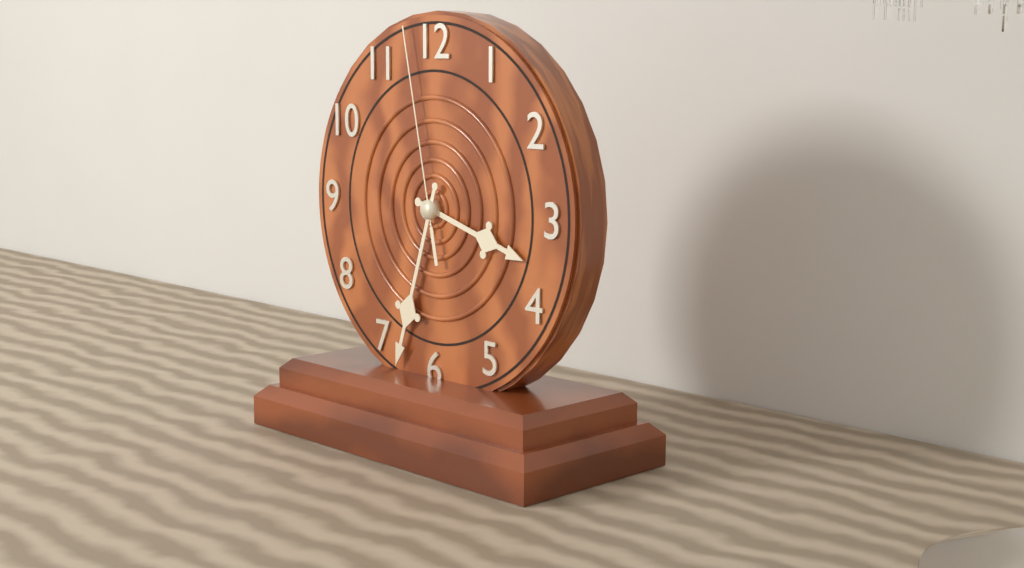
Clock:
3 h 33 min 58 s
